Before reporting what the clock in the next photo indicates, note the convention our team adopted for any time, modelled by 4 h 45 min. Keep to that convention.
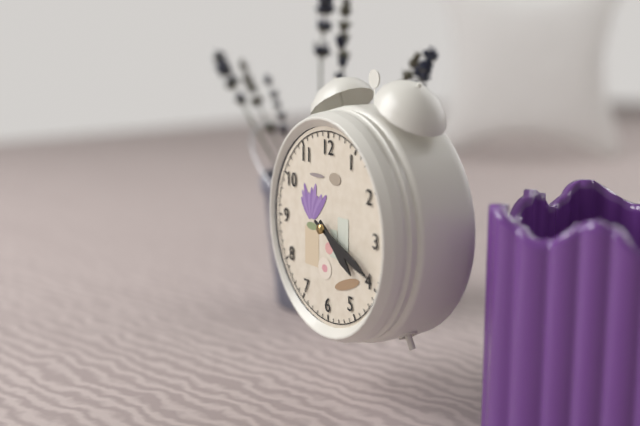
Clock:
4 h 19 min
